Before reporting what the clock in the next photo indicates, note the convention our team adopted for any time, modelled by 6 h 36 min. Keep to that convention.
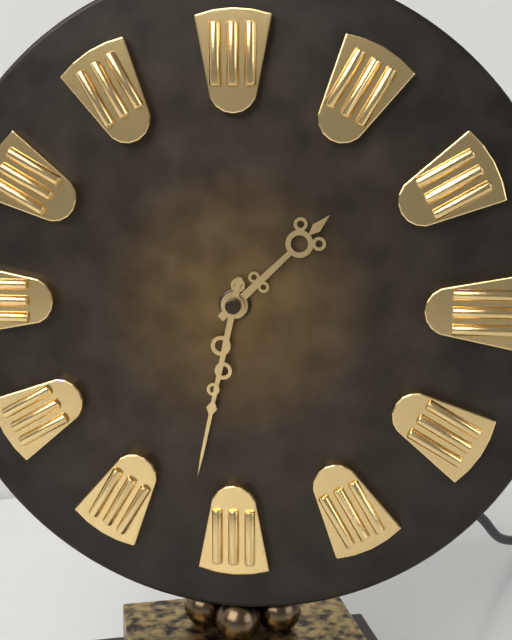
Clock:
1 h 32 min
